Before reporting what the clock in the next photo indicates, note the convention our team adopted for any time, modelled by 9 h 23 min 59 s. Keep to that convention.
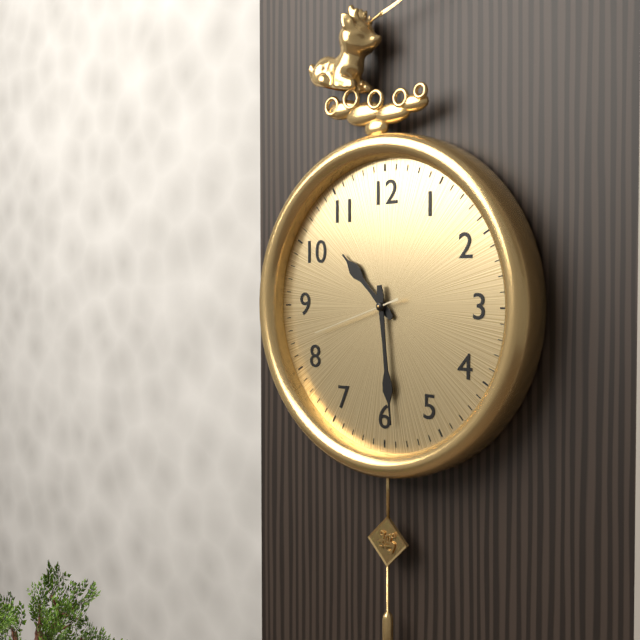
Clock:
10 h 29 min 42 s
